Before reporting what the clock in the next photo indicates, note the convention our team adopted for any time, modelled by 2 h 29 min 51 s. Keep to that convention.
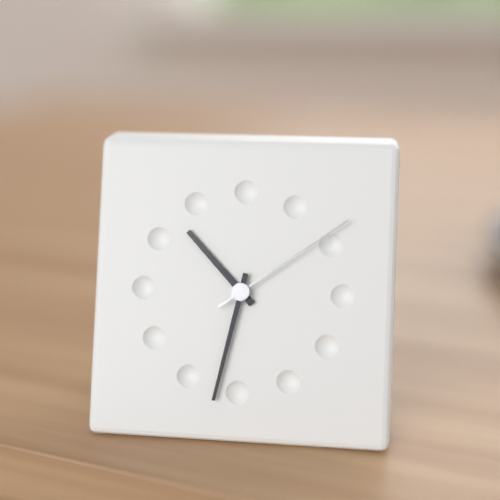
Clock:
10 h 32 min 09 s
